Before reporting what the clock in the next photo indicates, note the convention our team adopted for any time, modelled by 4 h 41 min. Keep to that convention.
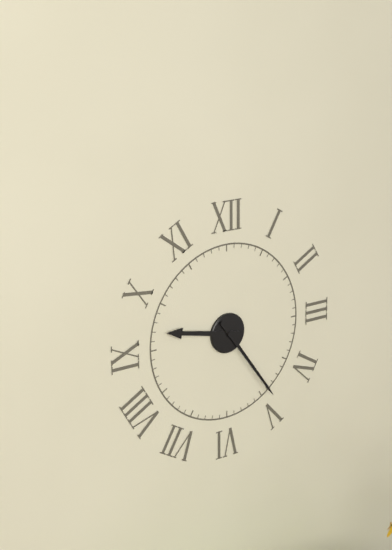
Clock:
9 h 24 min
